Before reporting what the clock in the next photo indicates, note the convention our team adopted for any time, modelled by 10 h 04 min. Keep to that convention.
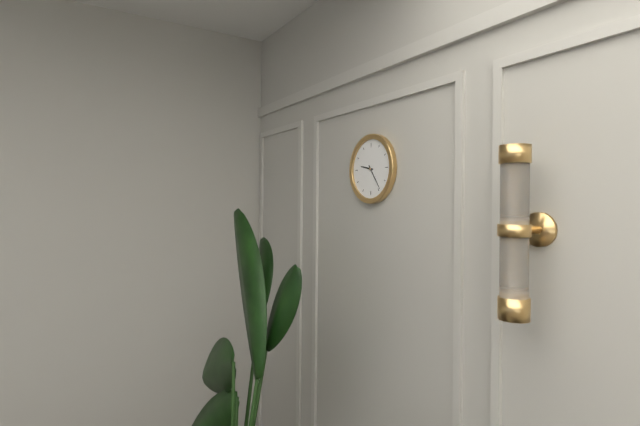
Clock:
9 h 24 min
